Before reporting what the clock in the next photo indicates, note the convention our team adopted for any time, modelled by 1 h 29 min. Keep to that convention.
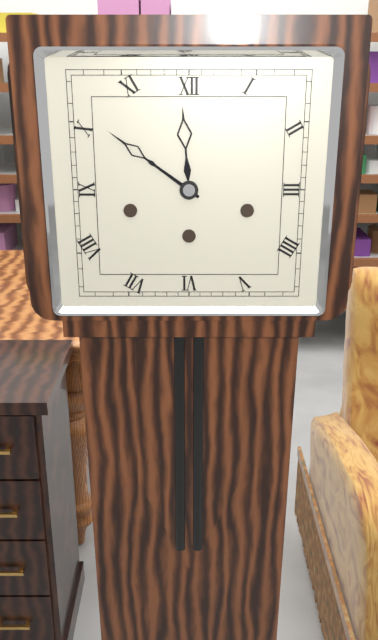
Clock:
11 h 51 min
